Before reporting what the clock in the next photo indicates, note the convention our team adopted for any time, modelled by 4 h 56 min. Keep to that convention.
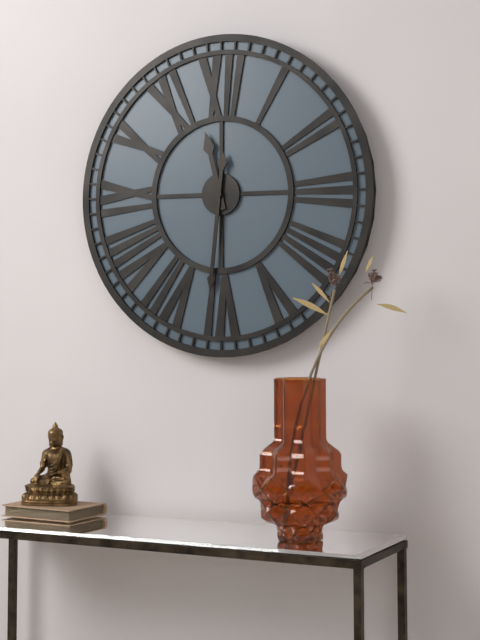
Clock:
11 h 31 min
